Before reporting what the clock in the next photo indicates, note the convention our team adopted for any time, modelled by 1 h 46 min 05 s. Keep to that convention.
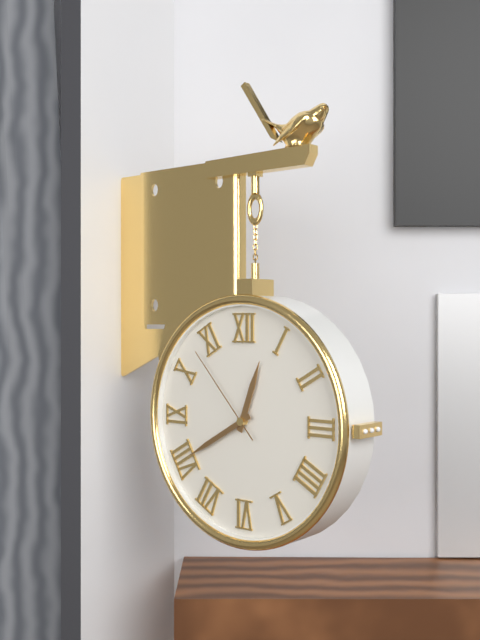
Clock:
12 h 40 min 53 s
